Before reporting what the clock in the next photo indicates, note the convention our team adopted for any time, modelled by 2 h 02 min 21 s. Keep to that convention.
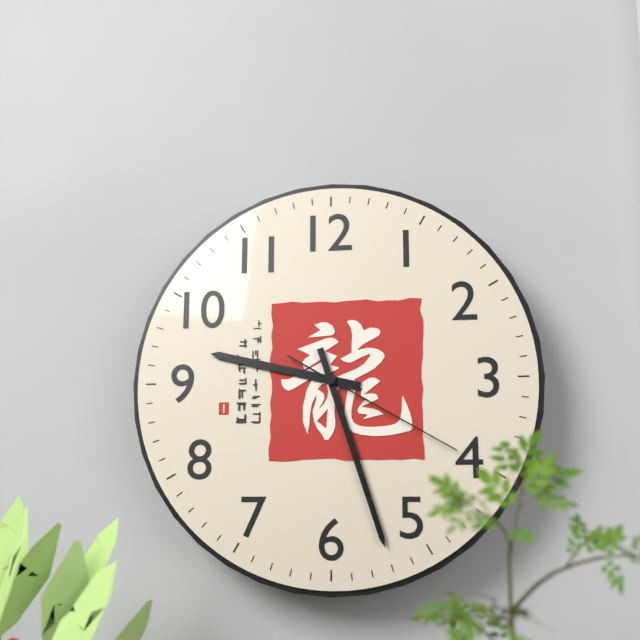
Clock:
9 h 27 min 20 s
